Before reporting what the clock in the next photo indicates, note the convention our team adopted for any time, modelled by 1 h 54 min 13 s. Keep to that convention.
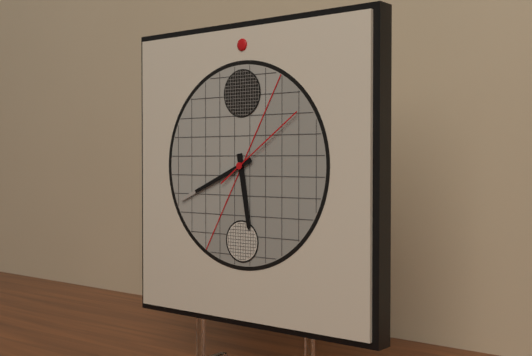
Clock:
5 h 41 min 09 s
